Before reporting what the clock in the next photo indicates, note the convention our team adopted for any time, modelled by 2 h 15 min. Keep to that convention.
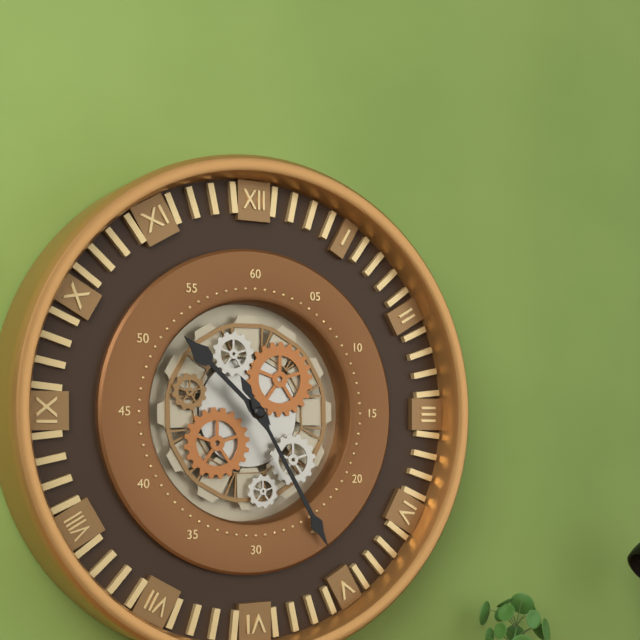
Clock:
10 h 25 min
